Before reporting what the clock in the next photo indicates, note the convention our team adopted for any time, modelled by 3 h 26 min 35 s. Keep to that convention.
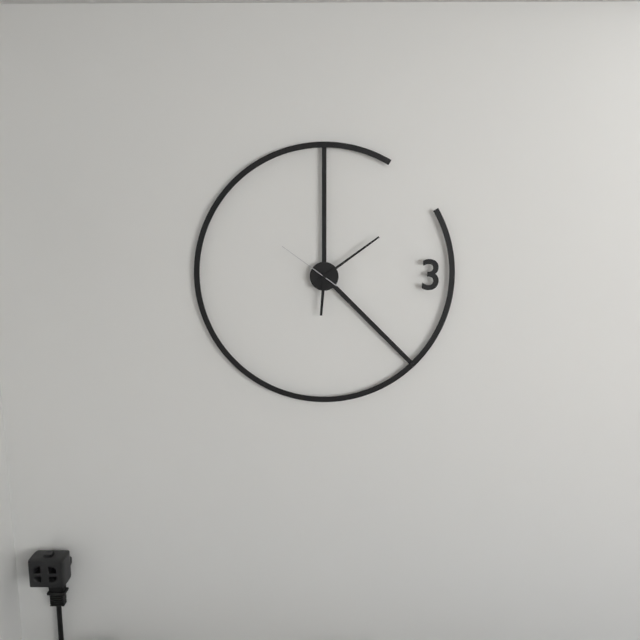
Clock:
6 h 09 min 51 s
